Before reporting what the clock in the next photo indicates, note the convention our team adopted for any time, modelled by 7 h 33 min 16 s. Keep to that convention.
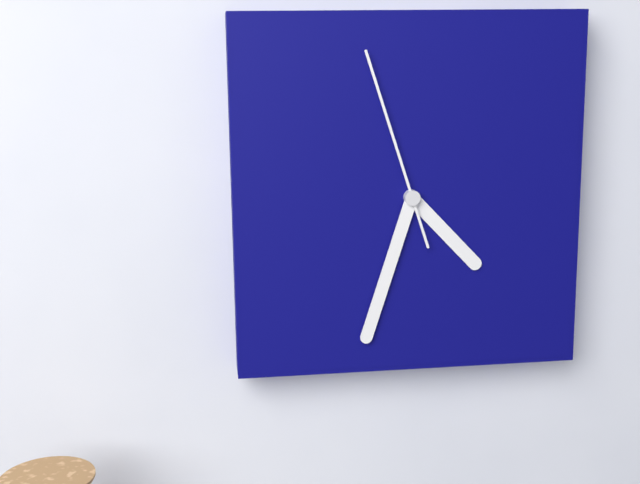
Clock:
4 h 33 min 57 s
